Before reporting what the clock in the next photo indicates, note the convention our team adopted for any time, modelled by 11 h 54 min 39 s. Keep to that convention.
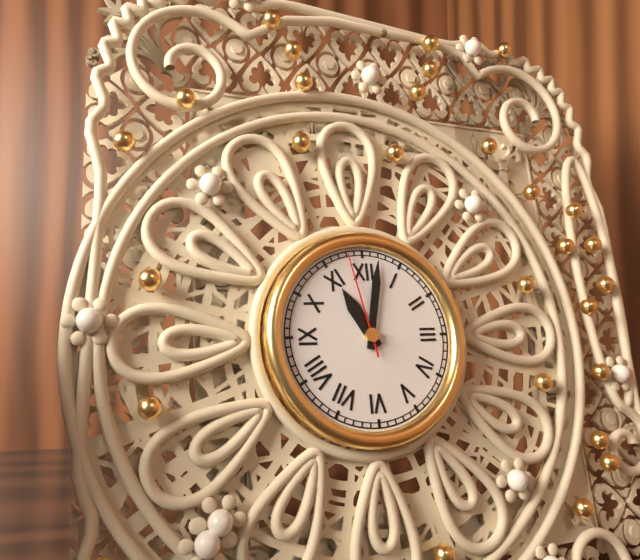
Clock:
11 h 02 min 58 s
